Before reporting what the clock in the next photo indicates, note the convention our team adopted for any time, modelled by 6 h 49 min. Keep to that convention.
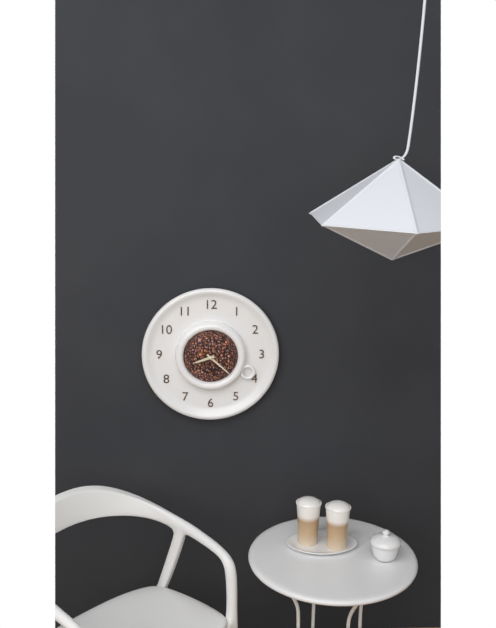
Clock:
8 h 22 min
